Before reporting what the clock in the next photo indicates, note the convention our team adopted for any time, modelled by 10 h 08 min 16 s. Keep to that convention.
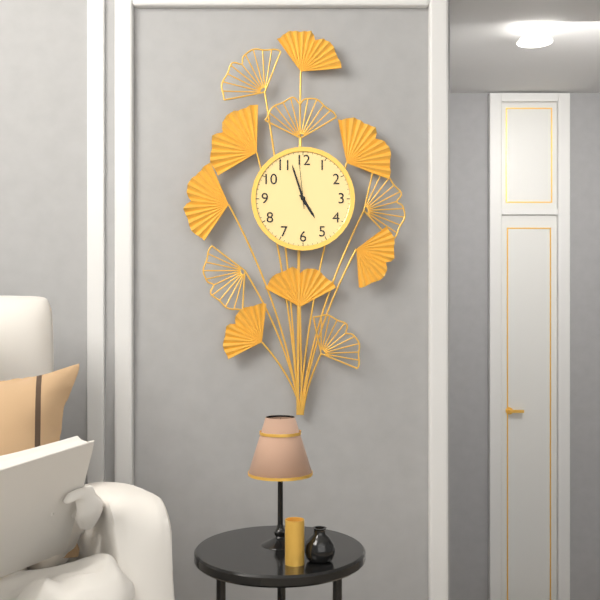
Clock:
4 h 57 min 59 s
